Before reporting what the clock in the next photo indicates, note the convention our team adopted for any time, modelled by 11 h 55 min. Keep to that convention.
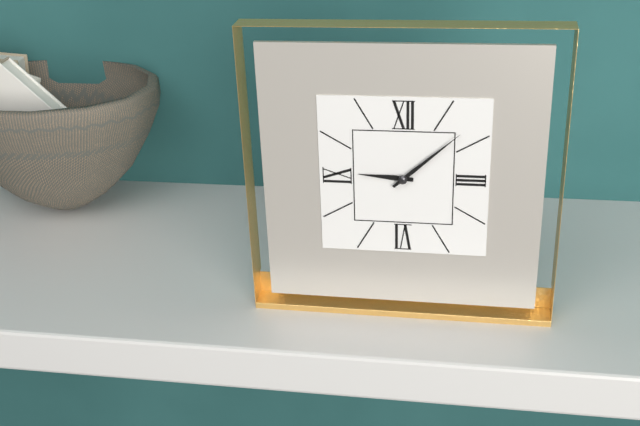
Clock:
9 h 08 min
